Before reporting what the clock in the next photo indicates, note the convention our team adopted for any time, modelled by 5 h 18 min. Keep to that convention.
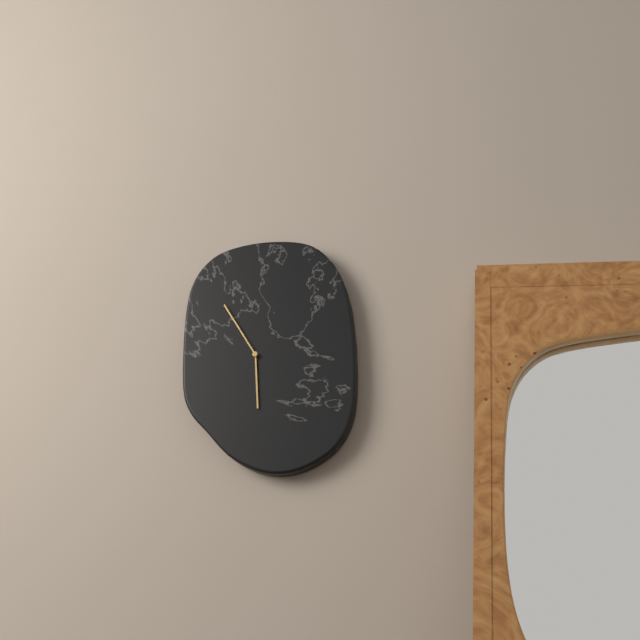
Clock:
5 h 55 min
